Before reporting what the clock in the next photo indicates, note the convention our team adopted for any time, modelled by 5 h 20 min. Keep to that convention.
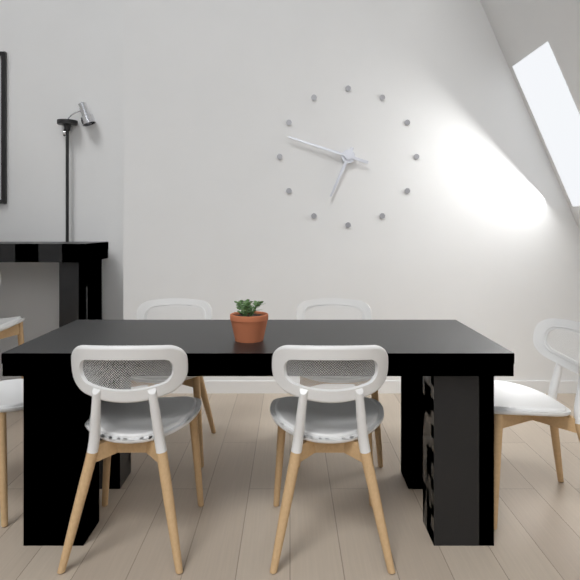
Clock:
6 h 48 min
